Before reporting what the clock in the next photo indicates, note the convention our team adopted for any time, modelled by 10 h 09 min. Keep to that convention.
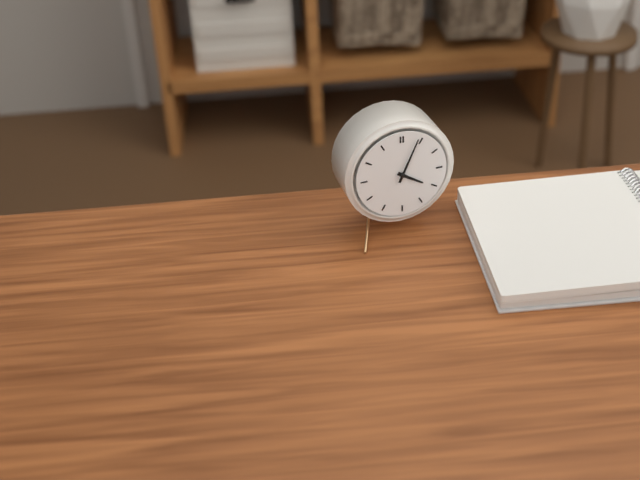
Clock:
4 h 04 min
